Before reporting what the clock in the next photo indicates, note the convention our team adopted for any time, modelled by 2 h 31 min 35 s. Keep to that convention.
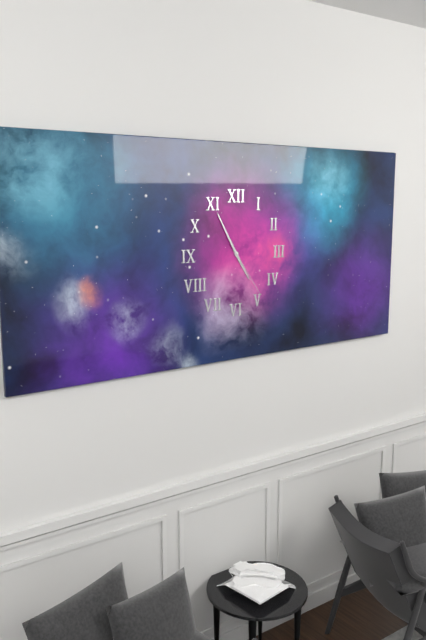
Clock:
4 h 55 min 24 s
